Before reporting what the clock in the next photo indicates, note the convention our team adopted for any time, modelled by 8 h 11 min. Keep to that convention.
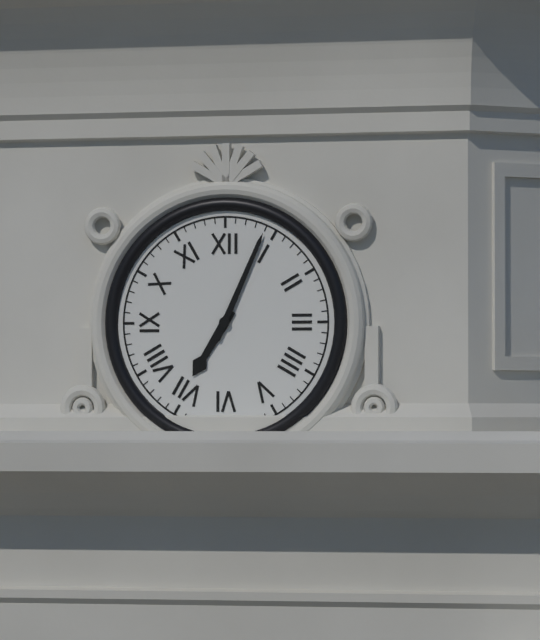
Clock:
7 h 04 min
